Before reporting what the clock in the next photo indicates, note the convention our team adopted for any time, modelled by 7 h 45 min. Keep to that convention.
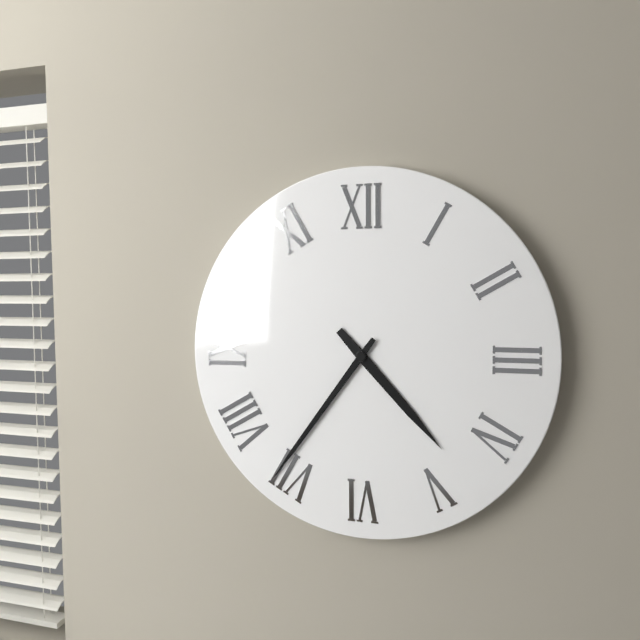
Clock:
4 h 36 min
